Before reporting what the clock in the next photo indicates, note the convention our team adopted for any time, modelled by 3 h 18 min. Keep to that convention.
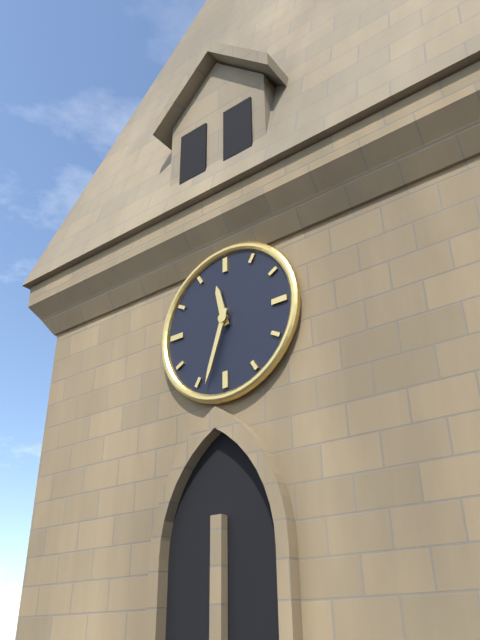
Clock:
11 h 33 min
